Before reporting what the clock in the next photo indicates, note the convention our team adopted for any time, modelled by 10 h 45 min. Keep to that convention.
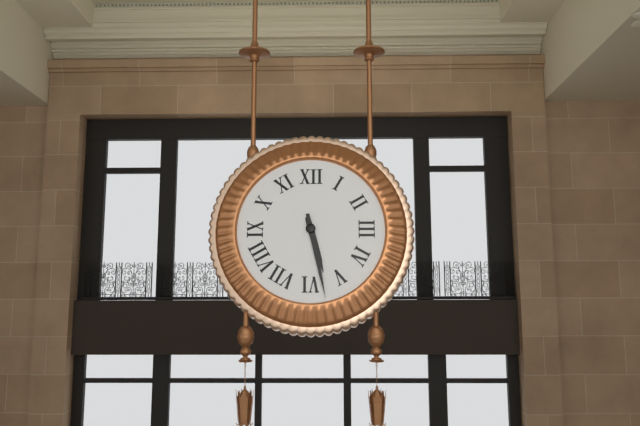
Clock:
5 h 28 min
